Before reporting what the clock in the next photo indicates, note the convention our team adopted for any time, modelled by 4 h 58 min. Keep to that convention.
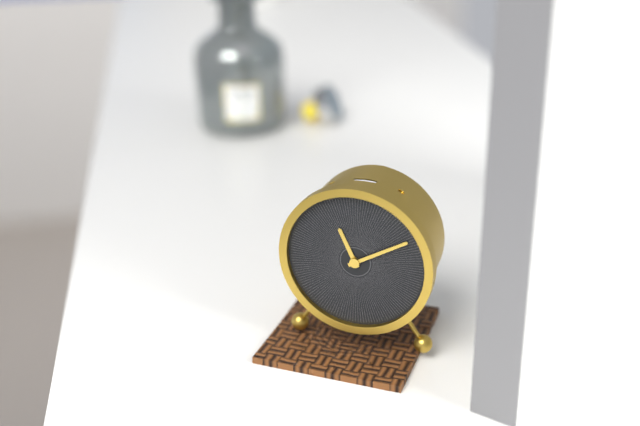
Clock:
11 h 10 min
